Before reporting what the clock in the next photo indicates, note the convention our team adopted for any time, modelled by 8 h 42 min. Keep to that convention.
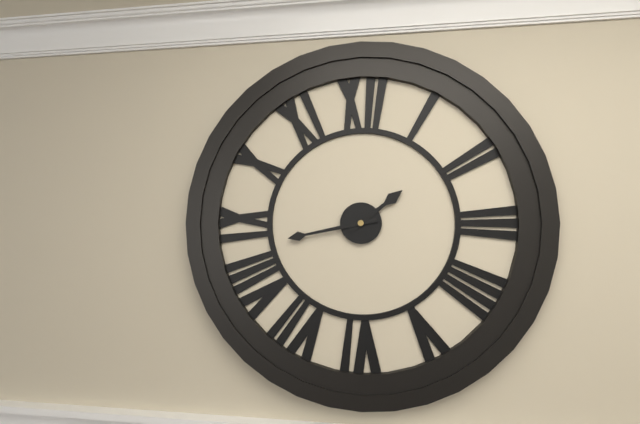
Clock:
1 h 43 min
